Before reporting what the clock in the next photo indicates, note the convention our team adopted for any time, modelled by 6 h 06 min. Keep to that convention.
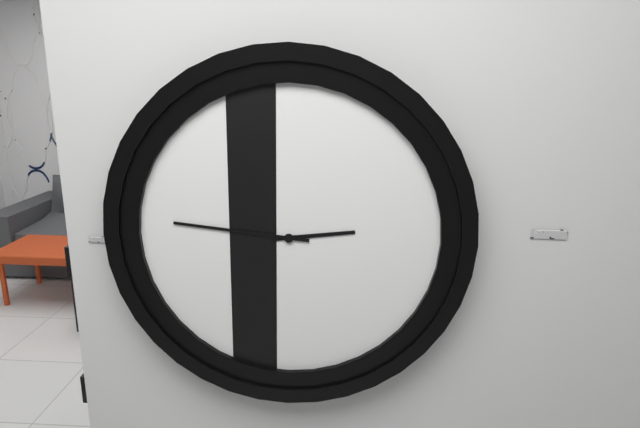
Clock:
2 h 46 min
